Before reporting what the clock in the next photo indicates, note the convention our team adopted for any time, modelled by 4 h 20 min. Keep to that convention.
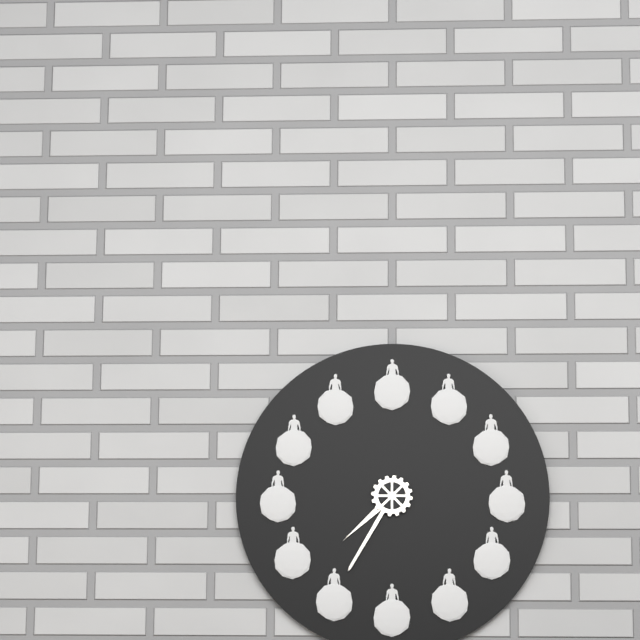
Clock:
7 h 35 min
